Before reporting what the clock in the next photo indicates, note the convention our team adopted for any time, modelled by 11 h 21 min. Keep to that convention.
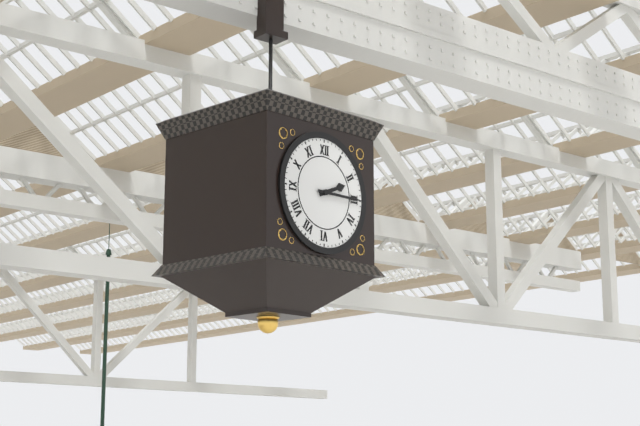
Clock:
2 h 15 min
